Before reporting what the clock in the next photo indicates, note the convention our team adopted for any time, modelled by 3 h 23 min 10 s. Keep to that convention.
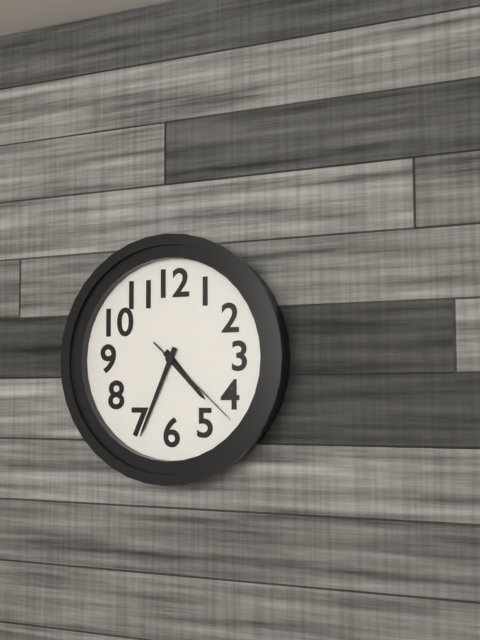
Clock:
4 h 34 min 22 s
